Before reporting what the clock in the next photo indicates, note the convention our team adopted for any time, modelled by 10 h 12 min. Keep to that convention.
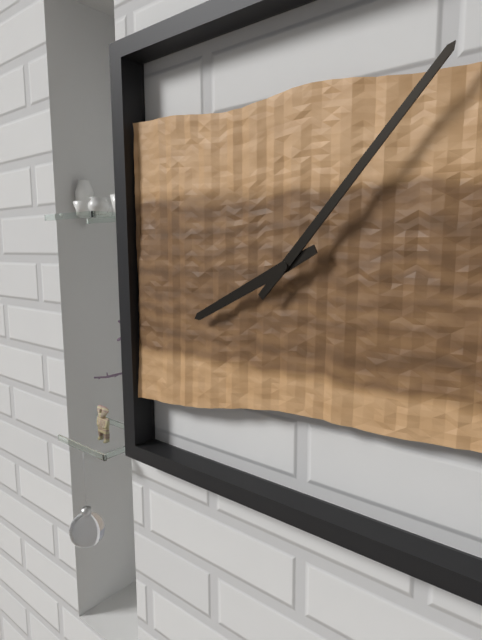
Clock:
8 h 07 min
